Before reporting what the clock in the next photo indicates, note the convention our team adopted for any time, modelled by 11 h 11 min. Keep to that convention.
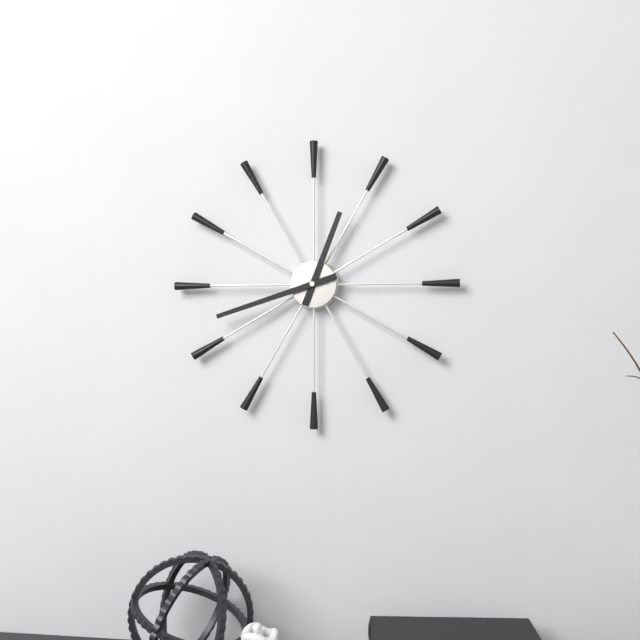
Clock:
12 h 42 min
